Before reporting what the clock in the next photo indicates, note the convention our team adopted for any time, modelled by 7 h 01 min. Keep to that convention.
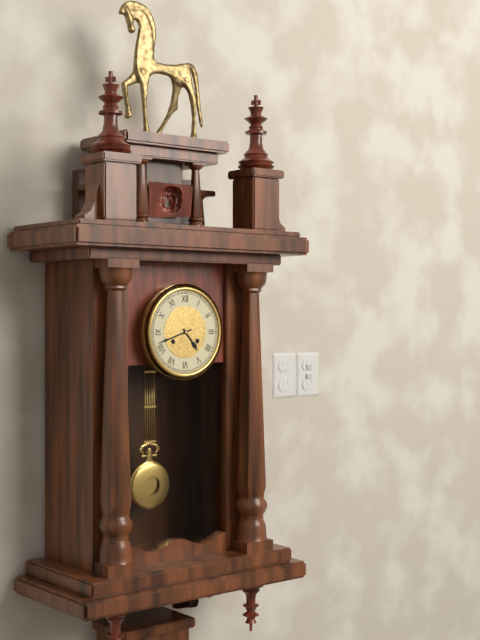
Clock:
4 h 42 min
